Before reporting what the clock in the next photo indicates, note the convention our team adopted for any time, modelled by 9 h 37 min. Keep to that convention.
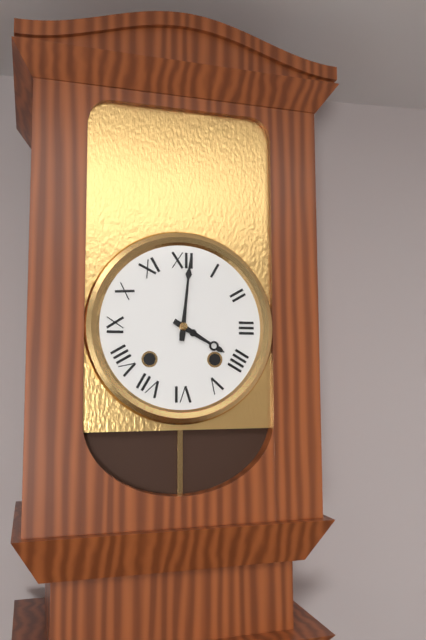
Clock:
4 h 01 min
